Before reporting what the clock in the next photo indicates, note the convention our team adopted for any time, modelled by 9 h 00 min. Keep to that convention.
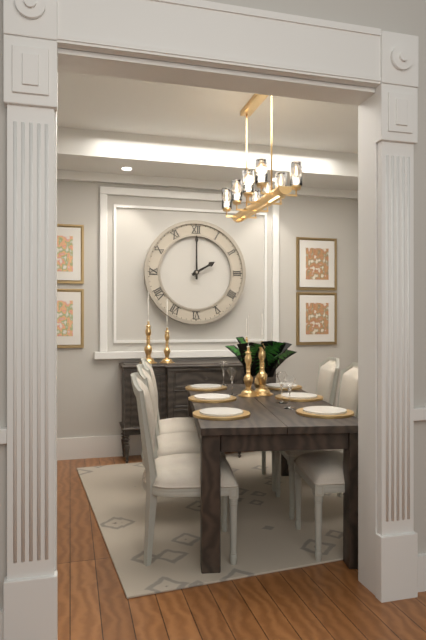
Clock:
2 h 00 min
